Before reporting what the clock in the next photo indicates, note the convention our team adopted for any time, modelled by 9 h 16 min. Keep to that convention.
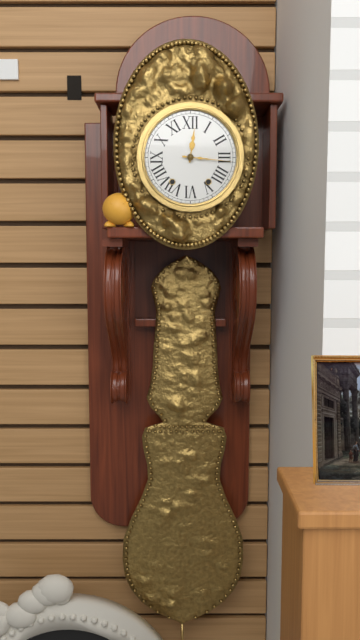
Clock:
12 h 16 min
